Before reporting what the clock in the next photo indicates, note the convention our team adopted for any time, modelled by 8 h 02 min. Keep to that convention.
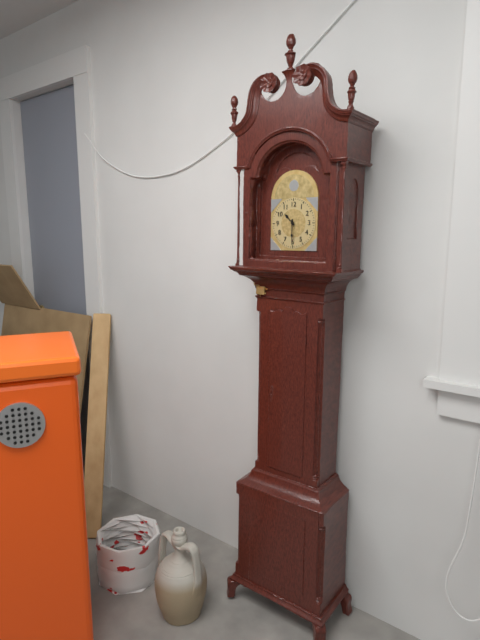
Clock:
10 h 30 min
